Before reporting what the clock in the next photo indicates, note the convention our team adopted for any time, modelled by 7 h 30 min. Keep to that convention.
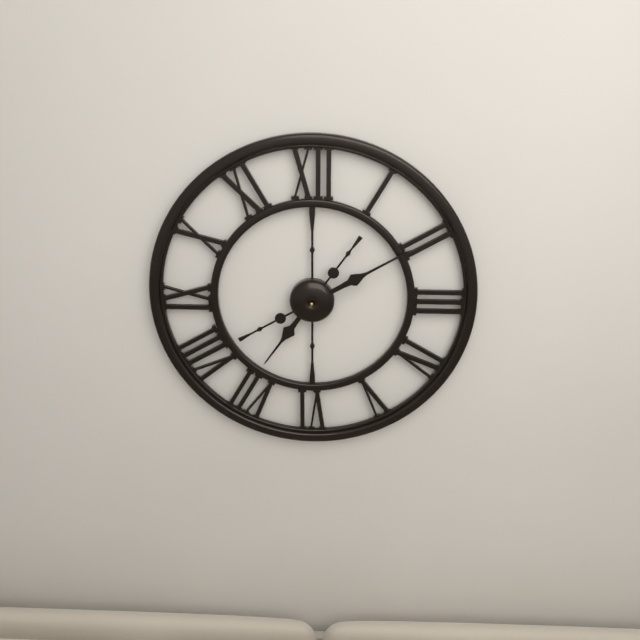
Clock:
7 h 10 min
